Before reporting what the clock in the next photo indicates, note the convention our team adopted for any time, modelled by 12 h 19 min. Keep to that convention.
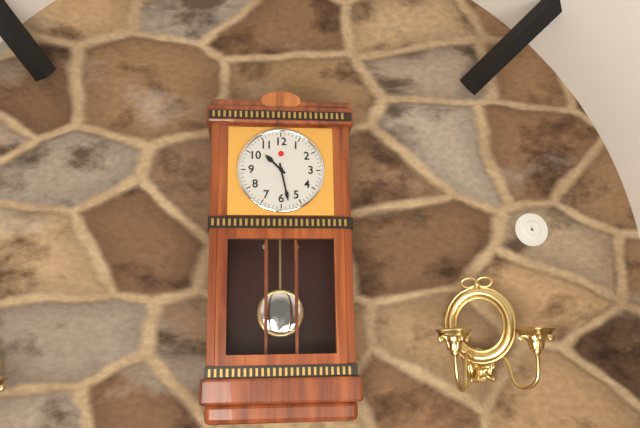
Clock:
10 h 28 min
